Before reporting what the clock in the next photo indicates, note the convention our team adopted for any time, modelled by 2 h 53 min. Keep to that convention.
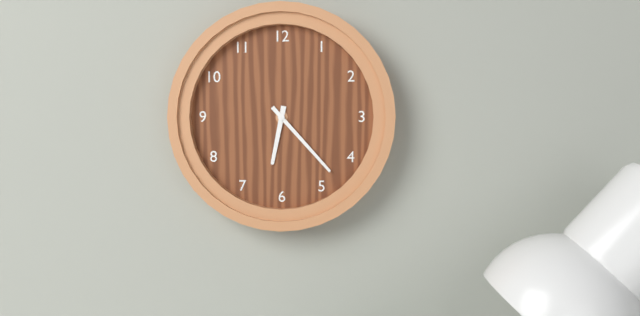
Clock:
6 h 23 min
